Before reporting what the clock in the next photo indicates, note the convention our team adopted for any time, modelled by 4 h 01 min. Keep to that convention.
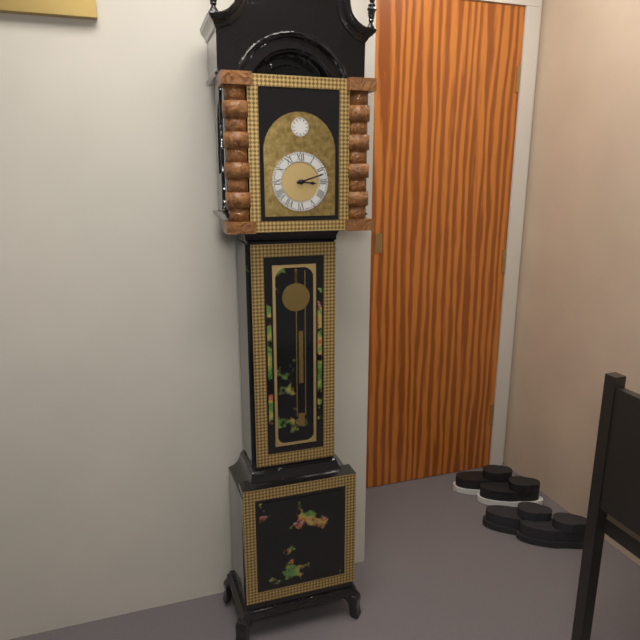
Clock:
3 h 12 min
